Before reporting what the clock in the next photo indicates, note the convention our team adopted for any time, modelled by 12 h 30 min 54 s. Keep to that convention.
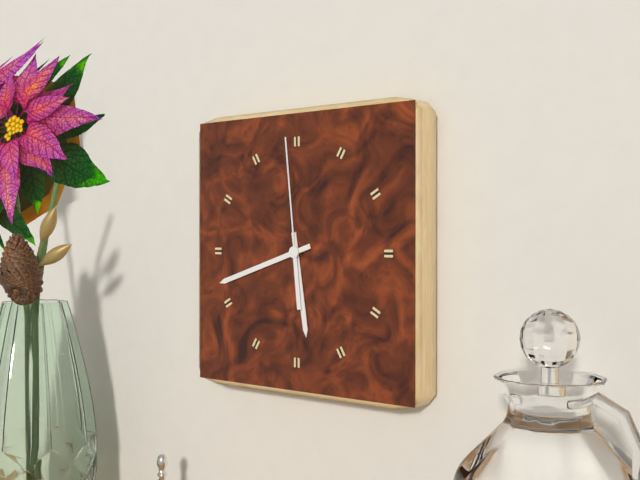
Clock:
5 h 42 min 59 s
